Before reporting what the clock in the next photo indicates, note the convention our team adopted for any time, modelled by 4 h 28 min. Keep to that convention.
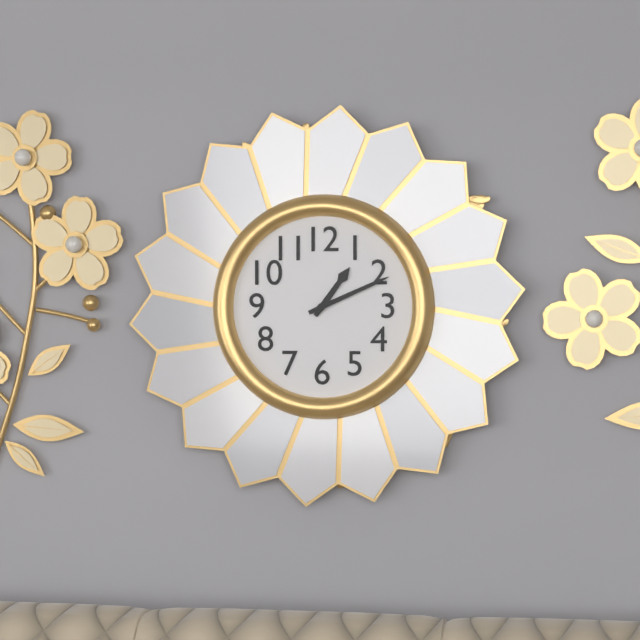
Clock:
1 h 11 min
